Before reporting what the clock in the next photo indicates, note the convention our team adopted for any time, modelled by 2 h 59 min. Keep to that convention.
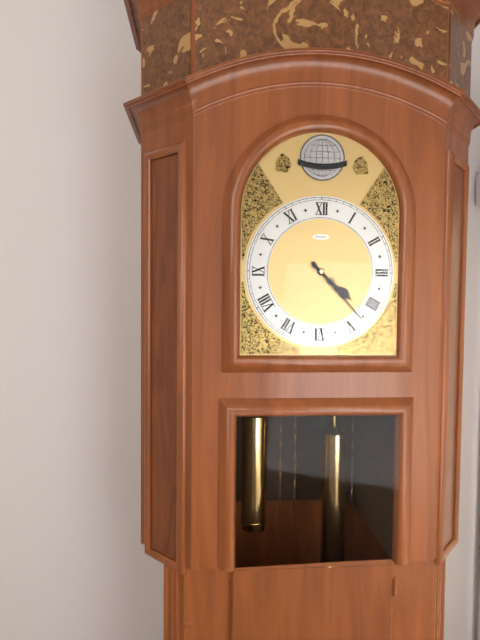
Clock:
4 h 23 min
